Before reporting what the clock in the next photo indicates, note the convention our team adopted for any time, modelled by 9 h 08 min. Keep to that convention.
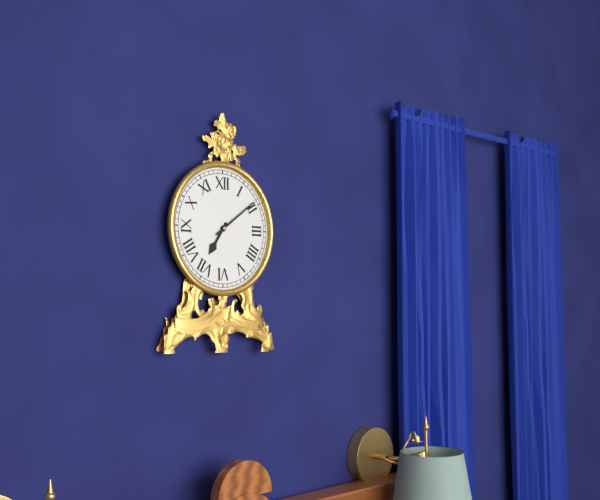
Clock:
7 h 09 min
